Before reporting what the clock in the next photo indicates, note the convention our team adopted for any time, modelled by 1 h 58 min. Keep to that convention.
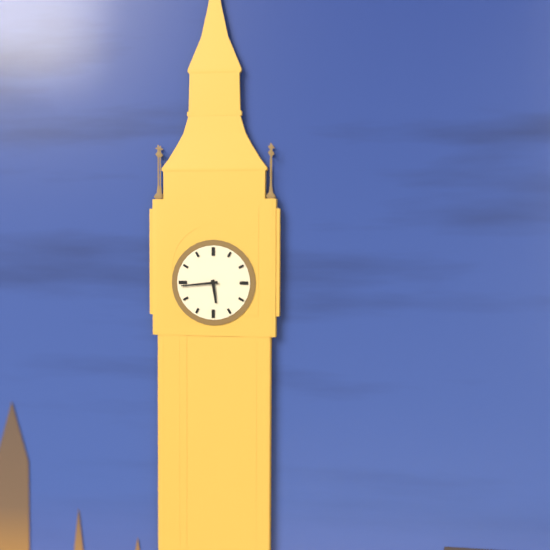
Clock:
5 h 44 min
